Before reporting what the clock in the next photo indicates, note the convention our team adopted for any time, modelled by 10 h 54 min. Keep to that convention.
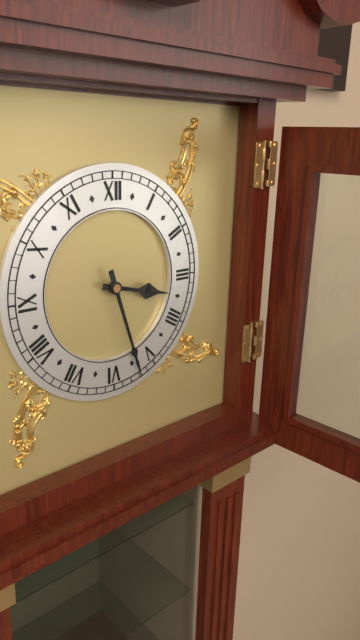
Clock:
3 h 27 min
